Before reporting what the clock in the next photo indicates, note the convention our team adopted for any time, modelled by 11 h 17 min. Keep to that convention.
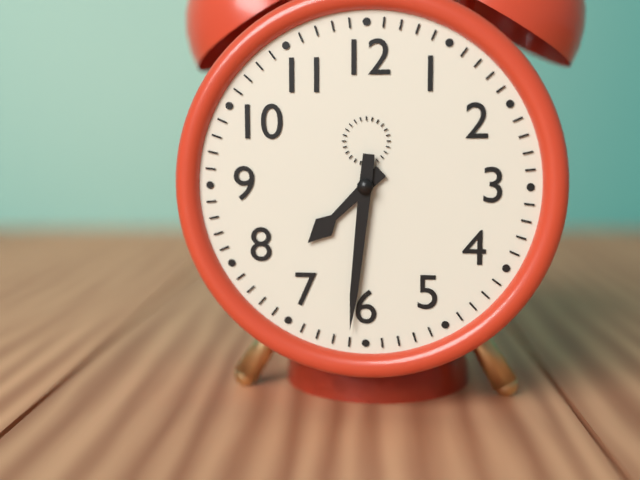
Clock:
7 h 31 min
